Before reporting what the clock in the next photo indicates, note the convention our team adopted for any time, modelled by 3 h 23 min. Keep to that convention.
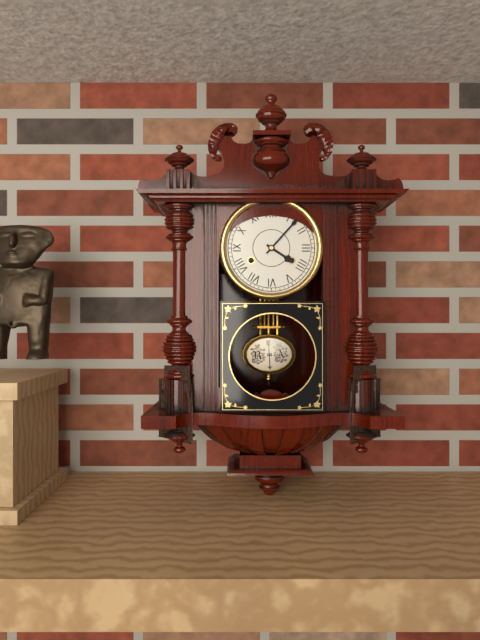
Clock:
4 h 07 min
